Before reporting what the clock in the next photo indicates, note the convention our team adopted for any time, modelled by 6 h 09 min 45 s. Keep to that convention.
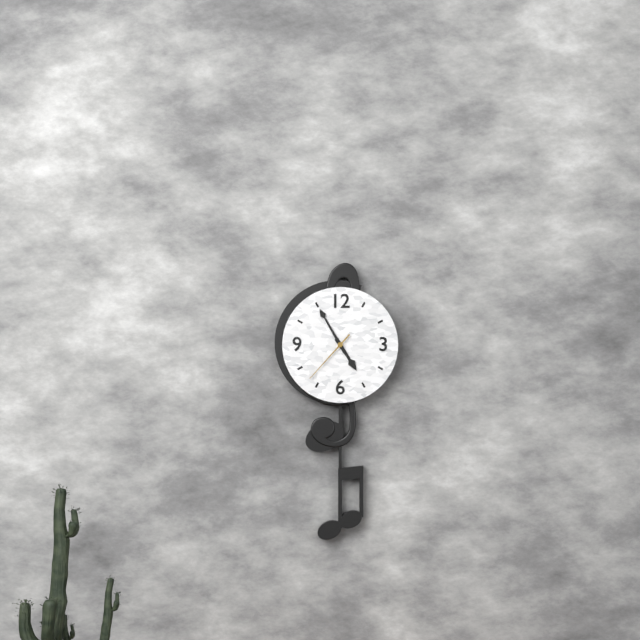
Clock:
4 h 55 min 37 s
